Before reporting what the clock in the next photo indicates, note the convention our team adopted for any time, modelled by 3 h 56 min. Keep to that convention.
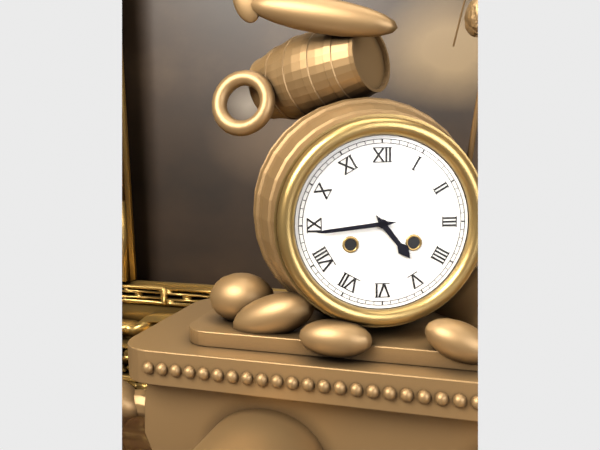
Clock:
4 h 44 min
